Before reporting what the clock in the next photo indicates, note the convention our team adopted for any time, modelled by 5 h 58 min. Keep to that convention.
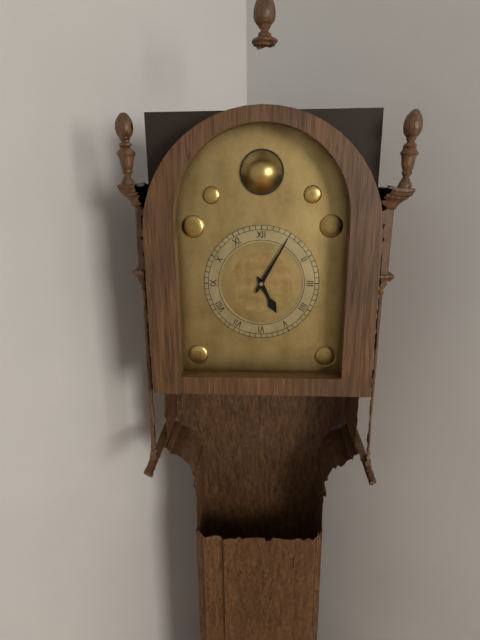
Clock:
5 h 05 min
